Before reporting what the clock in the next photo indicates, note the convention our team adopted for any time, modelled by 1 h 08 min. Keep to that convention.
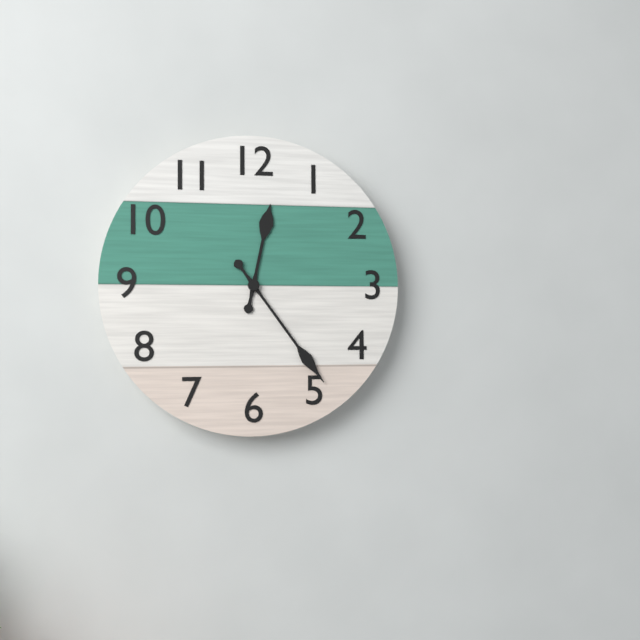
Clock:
12 h 24 min
